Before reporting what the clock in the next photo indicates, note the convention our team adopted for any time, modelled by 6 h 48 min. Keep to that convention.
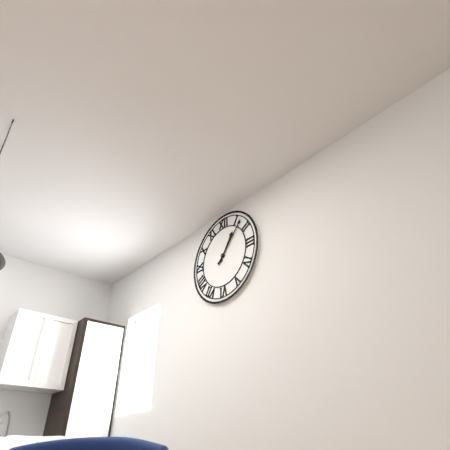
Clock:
1 h 07 min
